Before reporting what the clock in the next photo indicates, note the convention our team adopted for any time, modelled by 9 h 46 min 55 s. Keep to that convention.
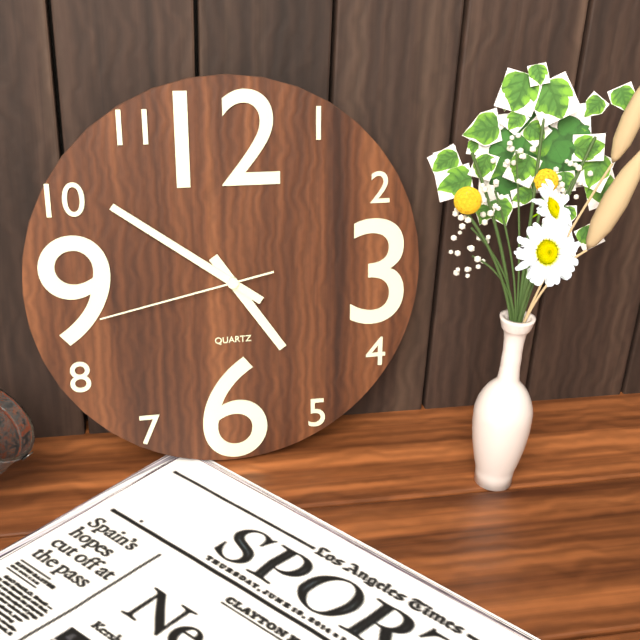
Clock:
4 h 51 min 43 s
